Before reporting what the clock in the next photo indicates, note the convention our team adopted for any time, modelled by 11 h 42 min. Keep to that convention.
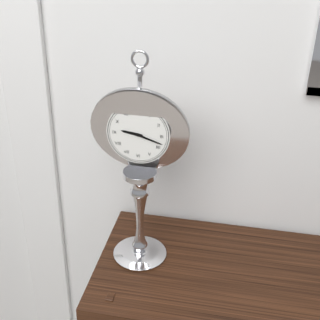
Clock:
9 h 18 min
